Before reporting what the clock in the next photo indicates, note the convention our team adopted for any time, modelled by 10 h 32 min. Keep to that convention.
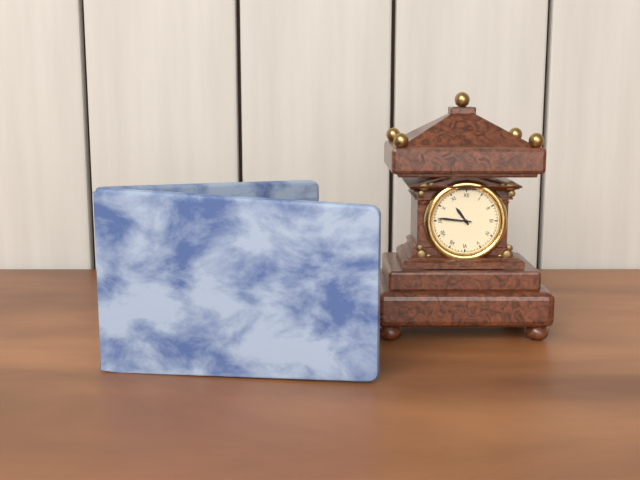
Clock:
10 h 46 min
